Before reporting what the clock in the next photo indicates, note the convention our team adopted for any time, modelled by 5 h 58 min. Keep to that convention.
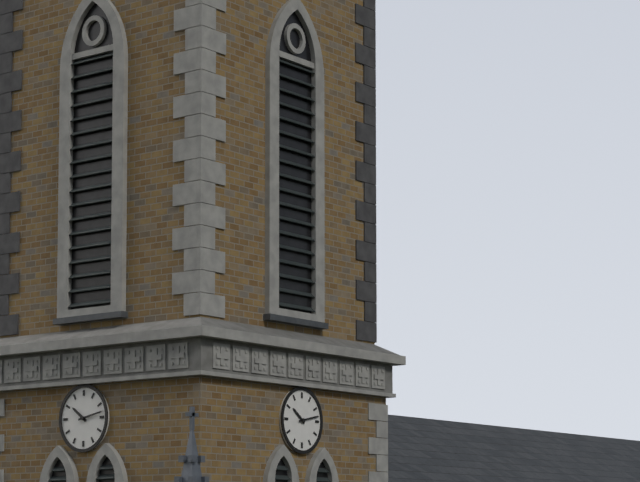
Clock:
10 h 13 min
